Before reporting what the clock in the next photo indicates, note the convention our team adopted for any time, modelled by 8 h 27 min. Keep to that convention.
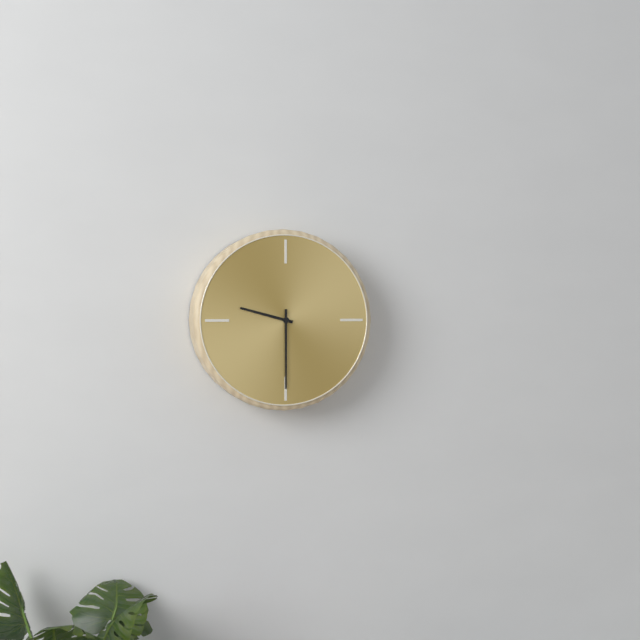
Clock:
9 h 30 min
